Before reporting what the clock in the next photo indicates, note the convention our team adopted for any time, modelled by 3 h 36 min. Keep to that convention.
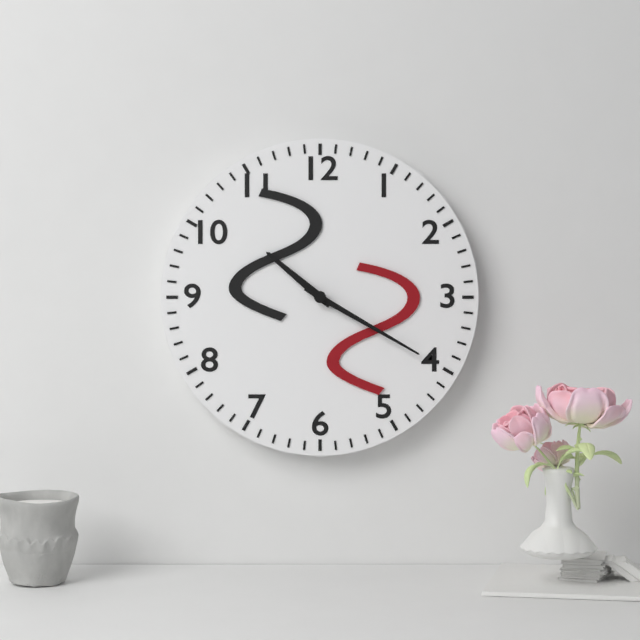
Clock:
10 h 20 min
